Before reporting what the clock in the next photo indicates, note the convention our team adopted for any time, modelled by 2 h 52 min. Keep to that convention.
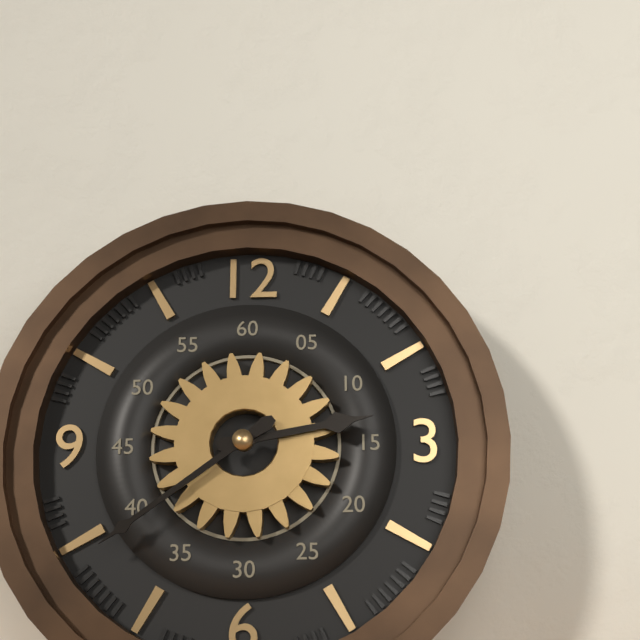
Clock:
2 h 39 min
